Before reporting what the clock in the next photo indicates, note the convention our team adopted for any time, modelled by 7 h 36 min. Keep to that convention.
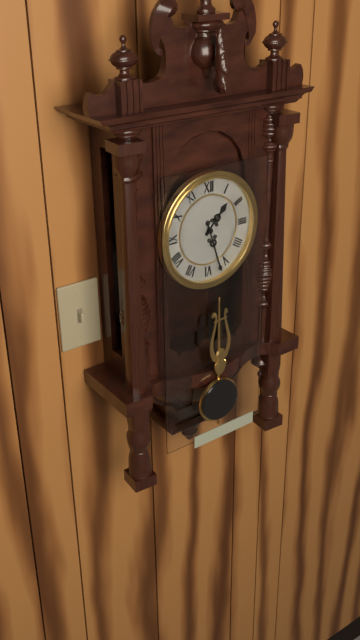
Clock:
1 h 27 min
